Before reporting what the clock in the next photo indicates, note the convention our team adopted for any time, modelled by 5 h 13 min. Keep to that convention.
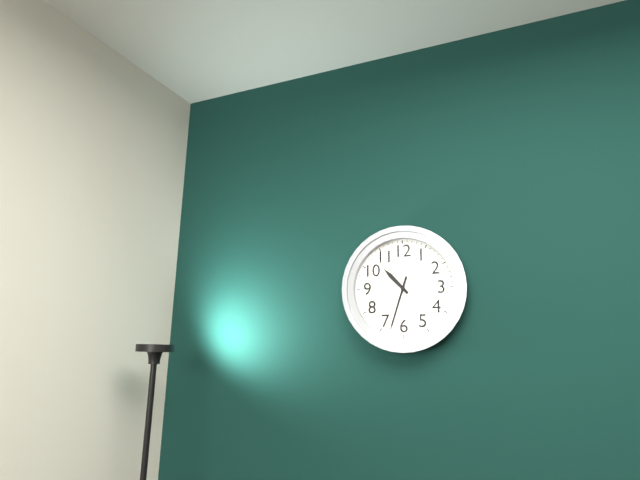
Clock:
10 h 33 min
